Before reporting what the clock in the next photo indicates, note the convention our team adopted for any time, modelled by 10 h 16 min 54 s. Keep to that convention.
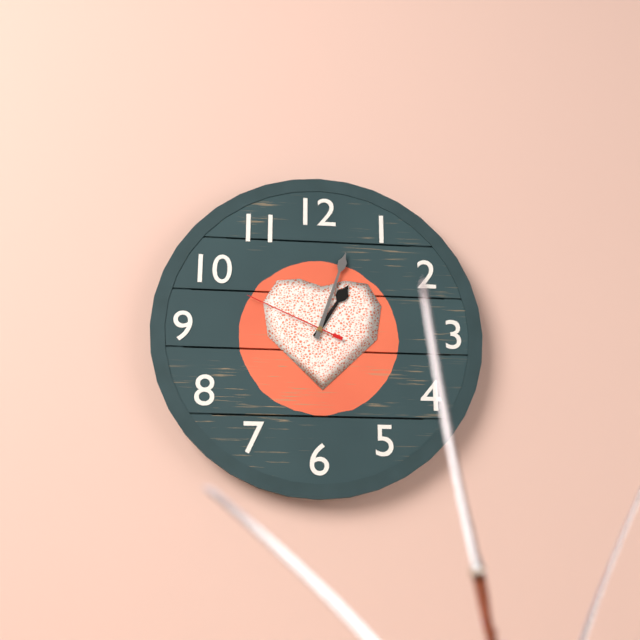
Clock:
1 h 03 min 49 s
